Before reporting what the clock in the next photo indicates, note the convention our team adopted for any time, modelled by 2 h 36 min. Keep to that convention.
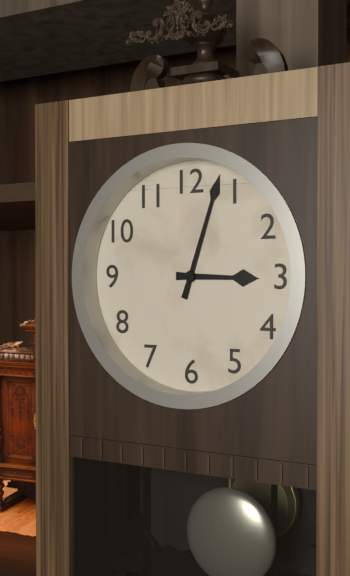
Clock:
3 h 03 min
